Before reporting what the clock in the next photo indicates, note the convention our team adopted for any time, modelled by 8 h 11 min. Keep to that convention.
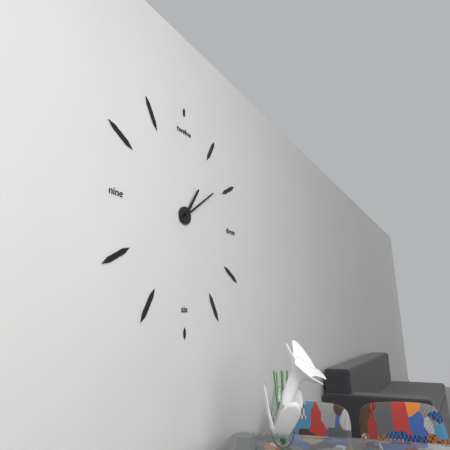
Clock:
1 h 09 min
